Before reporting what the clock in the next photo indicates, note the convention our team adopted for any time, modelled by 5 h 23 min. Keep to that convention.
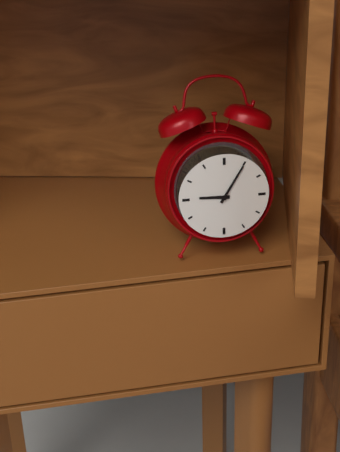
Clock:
9 h 05 min
